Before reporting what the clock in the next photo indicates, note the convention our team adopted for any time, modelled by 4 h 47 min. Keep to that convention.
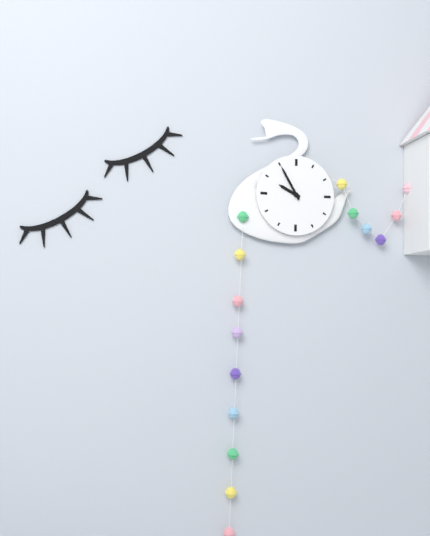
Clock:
9 h 55 min
